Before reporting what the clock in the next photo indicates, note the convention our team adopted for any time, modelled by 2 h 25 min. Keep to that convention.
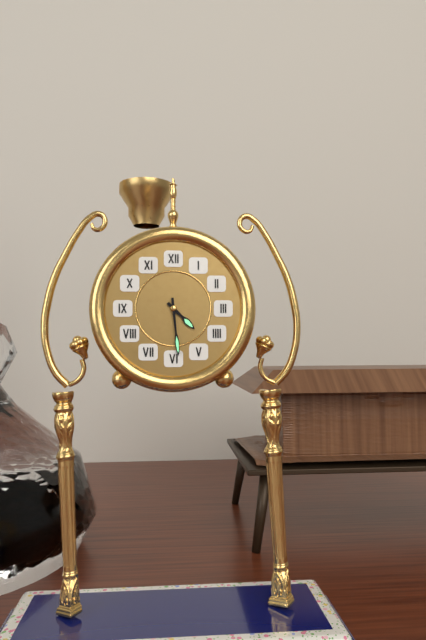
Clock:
4 h 29 min
